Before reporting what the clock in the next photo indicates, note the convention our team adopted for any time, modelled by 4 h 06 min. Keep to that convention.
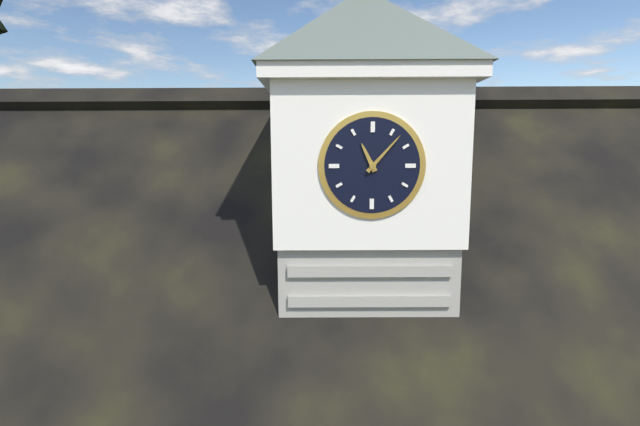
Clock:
11 h 07 min
